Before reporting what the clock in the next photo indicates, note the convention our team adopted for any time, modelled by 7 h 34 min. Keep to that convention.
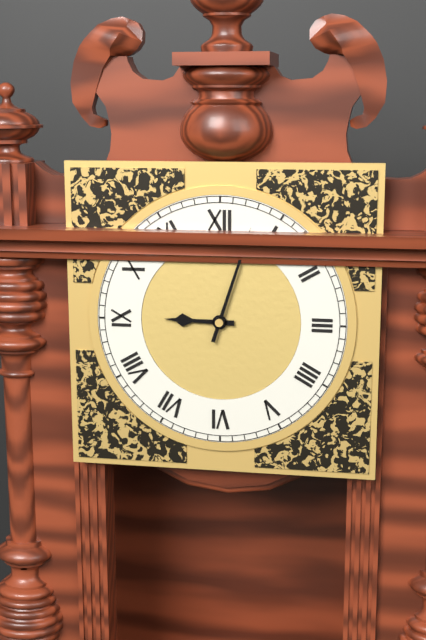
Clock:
9 h 03 min
